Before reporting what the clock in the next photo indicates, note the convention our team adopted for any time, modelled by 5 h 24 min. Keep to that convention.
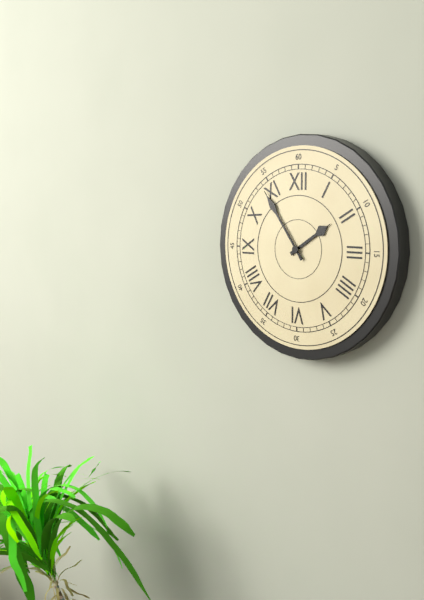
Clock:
1 h 54 min
